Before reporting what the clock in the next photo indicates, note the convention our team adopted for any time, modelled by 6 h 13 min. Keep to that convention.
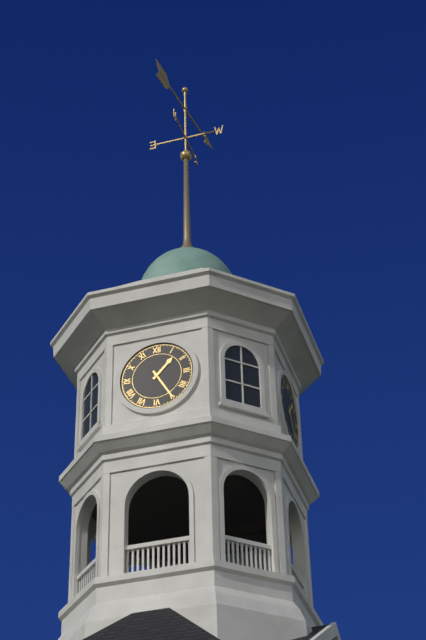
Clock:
1 h 25 min
